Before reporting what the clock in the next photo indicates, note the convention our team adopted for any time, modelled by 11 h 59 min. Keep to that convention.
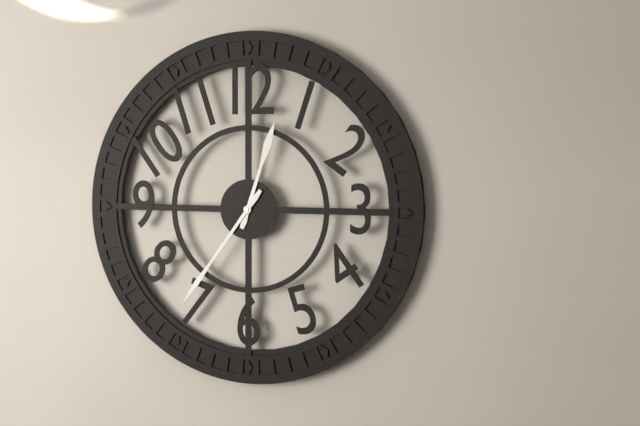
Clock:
12 h 36 min
